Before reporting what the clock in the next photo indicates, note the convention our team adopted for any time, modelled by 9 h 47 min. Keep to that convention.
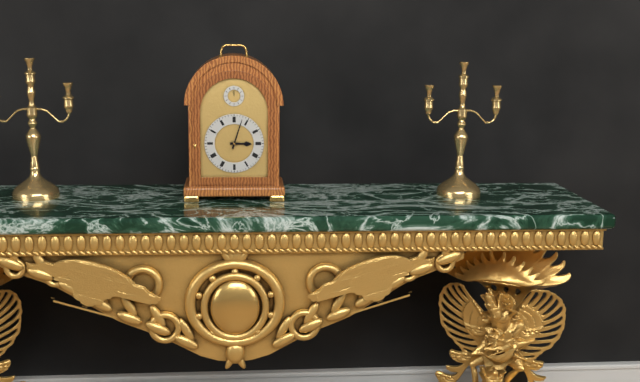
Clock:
3 h 03 min
